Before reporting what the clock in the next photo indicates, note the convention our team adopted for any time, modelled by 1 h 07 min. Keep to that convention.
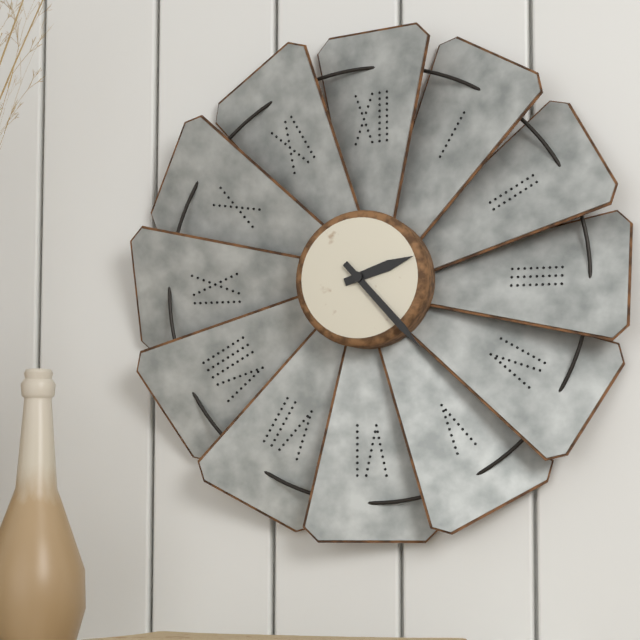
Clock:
2 h 23 min
